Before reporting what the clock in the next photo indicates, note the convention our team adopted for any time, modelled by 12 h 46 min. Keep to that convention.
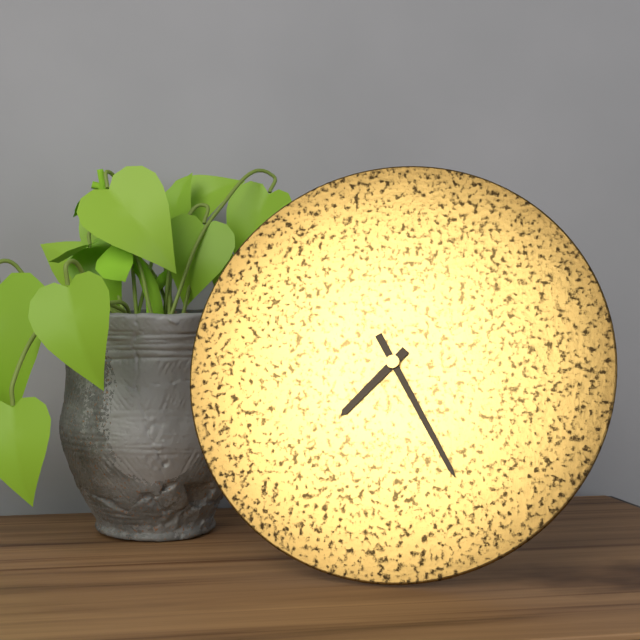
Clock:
7 h 25 min
